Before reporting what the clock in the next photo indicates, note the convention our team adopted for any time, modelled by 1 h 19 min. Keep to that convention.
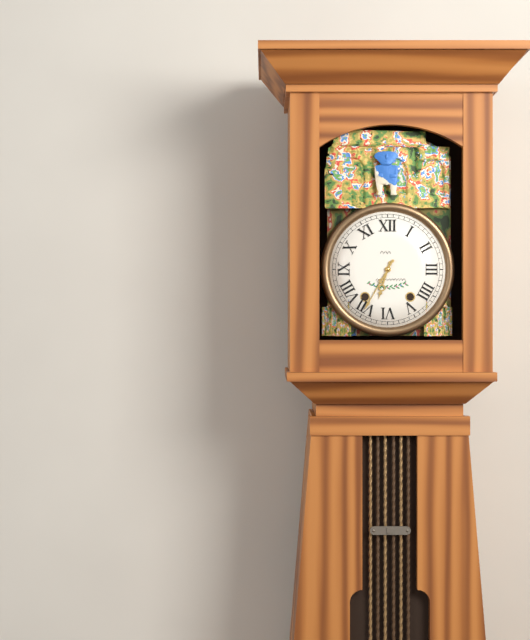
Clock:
6 h 35 min
